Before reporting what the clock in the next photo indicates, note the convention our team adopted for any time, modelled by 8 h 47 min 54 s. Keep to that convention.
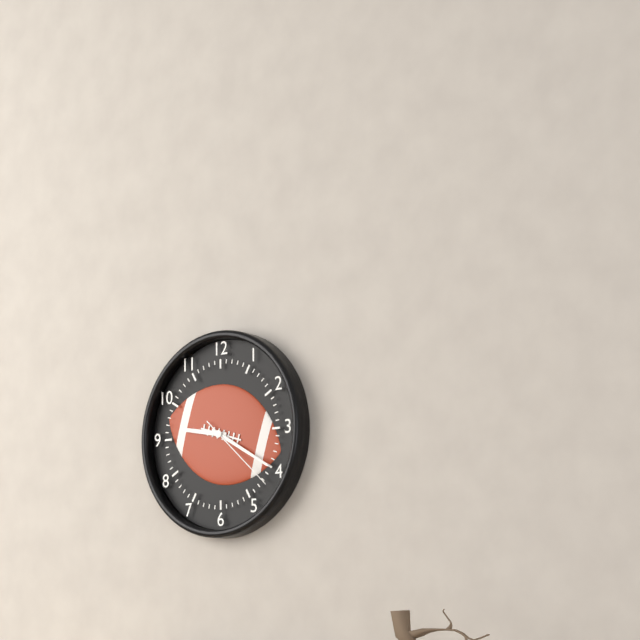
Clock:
9 h 20 min 22 s
